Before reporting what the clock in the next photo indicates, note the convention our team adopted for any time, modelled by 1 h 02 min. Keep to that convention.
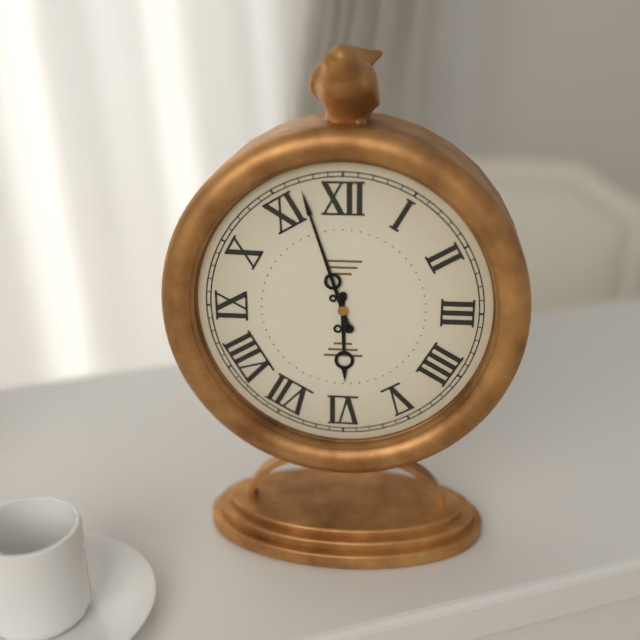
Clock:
5 h 57 min
